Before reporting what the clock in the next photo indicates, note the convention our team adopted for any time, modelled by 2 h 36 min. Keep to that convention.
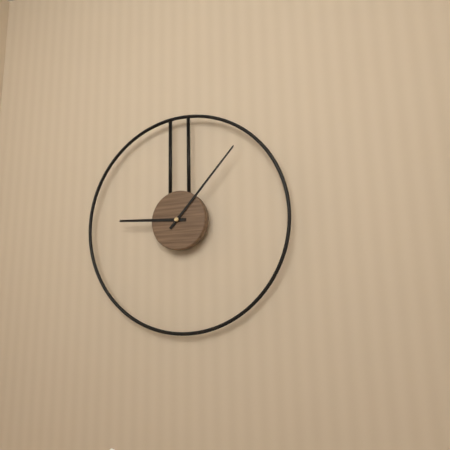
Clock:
9 h 07 min
